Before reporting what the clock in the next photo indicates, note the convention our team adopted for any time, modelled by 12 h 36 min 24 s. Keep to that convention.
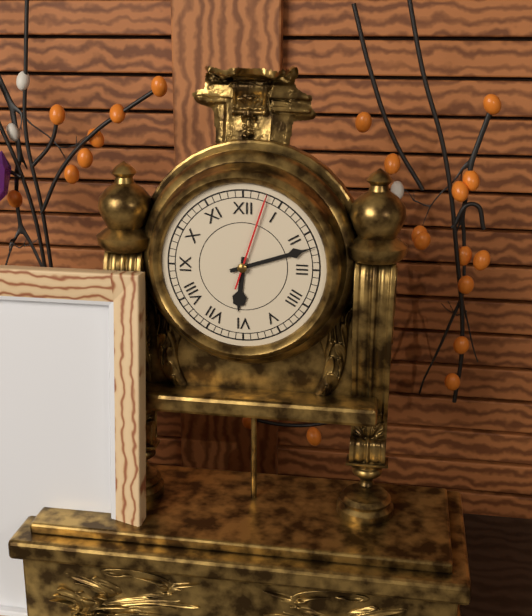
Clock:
6 h 12 min 03 s
